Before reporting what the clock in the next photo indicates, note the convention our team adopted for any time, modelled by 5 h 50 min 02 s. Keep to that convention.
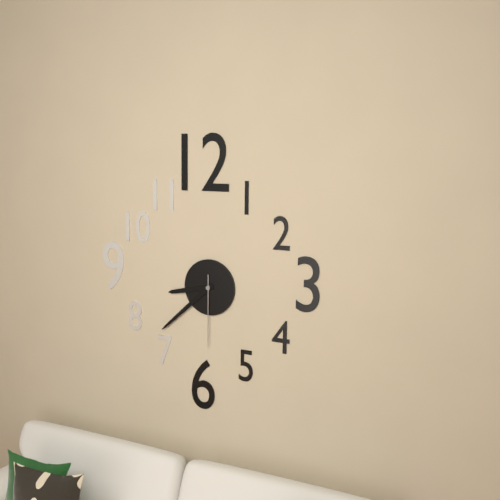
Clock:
8 h 38 min 30 s
